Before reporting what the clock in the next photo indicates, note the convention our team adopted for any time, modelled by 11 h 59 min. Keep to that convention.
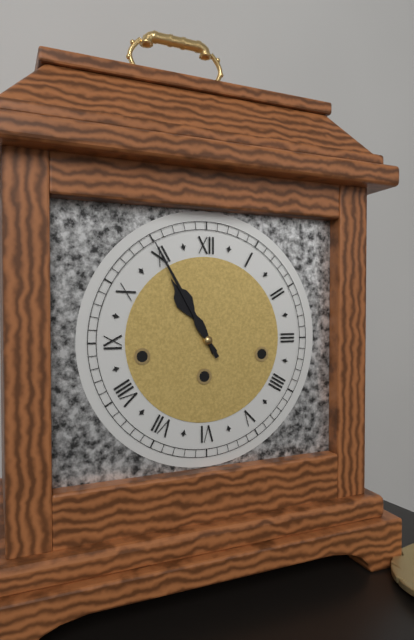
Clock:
10 h 55 min
